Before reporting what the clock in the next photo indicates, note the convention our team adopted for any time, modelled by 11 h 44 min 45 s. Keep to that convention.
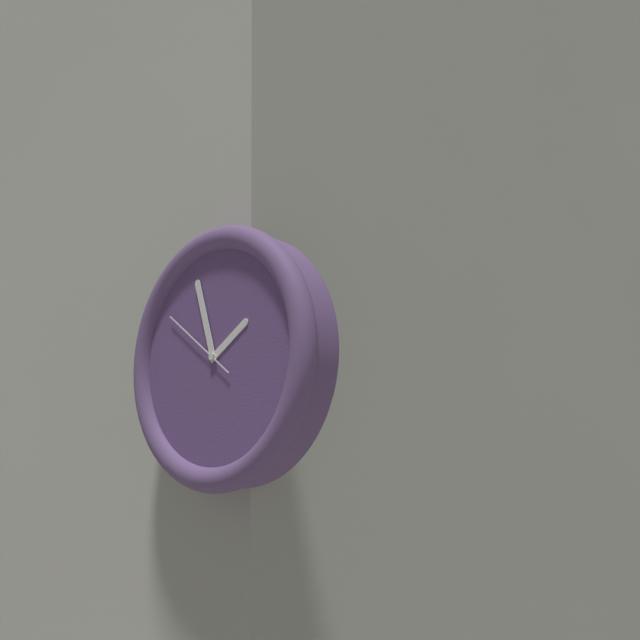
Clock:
1 h 57 min 51 s
